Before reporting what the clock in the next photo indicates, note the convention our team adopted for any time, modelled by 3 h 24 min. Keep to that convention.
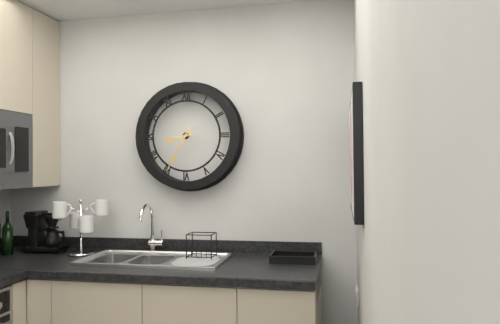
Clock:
8 h 35 min
